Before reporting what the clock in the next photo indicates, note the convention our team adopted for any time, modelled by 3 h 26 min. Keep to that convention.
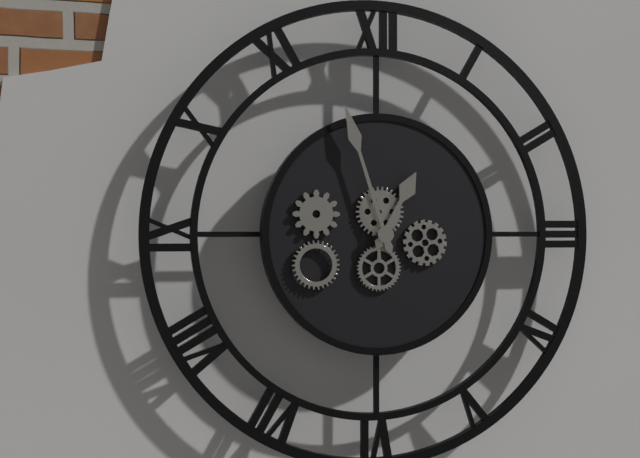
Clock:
12 h 57 min
